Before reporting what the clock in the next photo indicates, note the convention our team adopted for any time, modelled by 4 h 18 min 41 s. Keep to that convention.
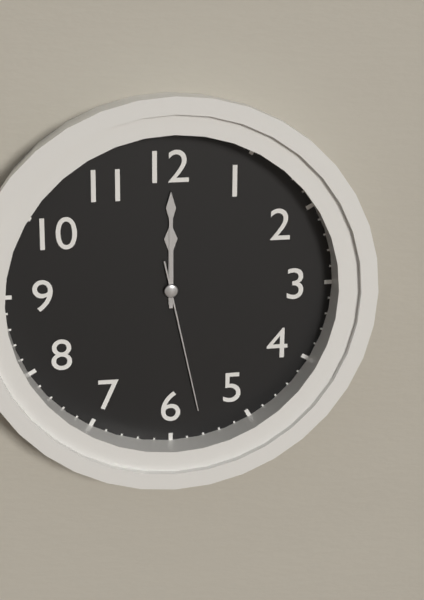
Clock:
12 h 00 min 28 s
